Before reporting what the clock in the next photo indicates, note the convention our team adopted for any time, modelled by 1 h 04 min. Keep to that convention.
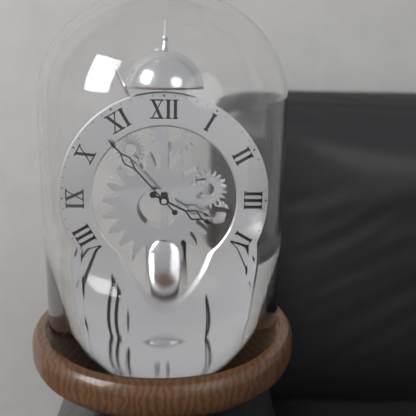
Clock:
3 h 53 min
